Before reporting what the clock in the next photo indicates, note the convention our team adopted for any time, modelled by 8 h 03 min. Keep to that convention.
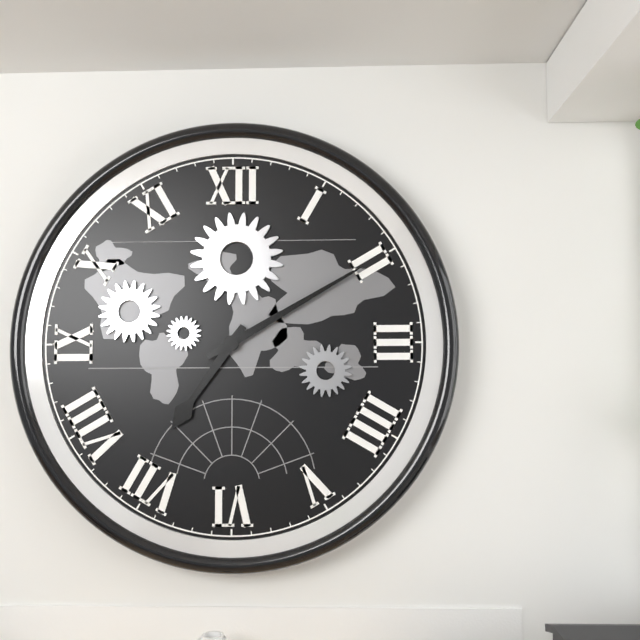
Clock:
7 h 10 min
